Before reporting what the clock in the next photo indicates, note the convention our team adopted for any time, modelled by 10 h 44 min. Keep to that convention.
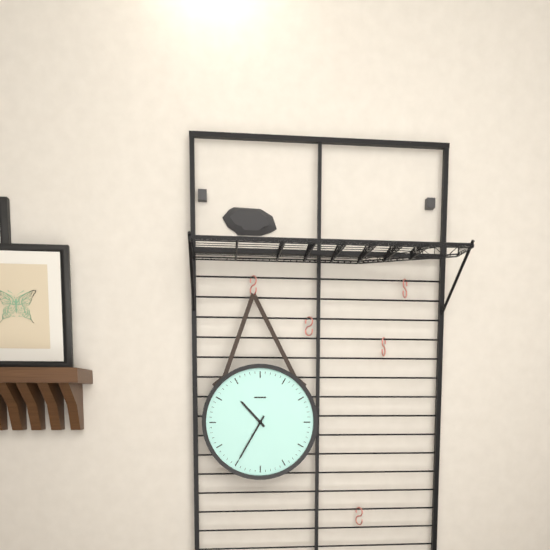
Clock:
10 h 35 min
